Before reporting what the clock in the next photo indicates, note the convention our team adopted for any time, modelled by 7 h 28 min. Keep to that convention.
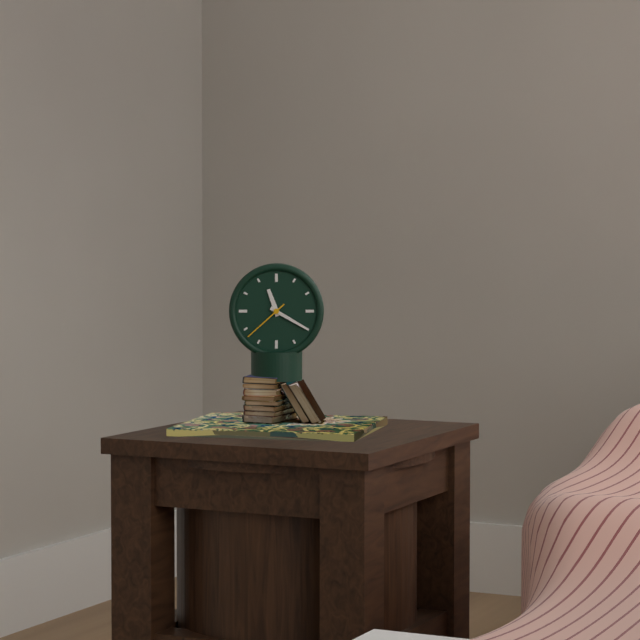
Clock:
11 h 20 min
